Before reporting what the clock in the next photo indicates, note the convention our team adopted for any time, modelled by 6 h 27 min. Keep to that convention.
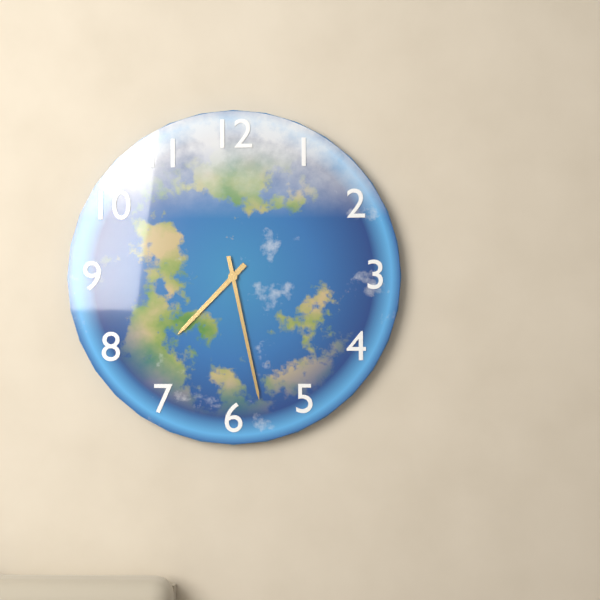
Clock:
7 h 28 min
